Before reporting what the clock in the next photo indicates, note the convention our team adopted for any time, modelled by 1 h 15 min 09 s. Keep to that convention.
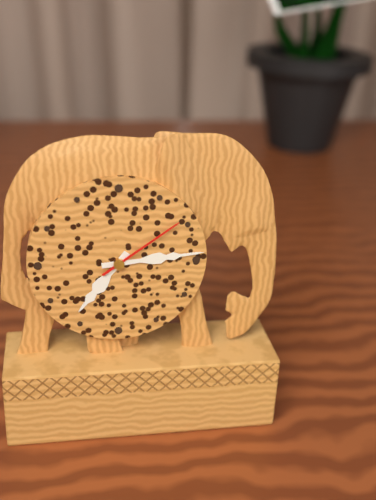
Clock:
7 h 14 min 09 s
